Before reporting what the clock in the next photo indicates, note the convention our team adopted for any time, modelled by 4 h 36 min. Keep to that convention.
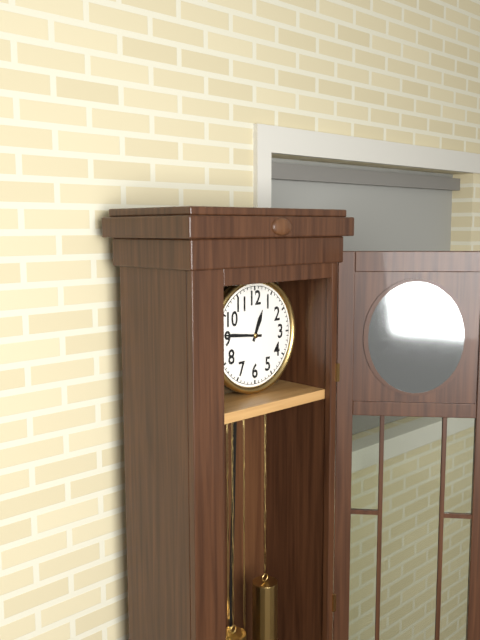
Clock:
12 h 46 min
